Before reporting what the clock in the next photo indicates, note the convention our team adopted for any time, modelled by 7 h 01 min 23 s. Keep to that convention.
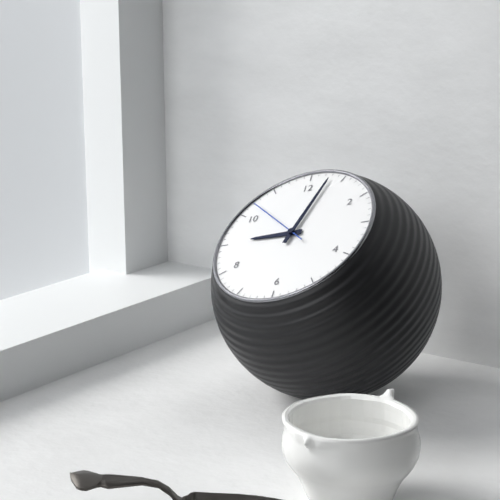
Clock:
9 h 03 min 52 s
